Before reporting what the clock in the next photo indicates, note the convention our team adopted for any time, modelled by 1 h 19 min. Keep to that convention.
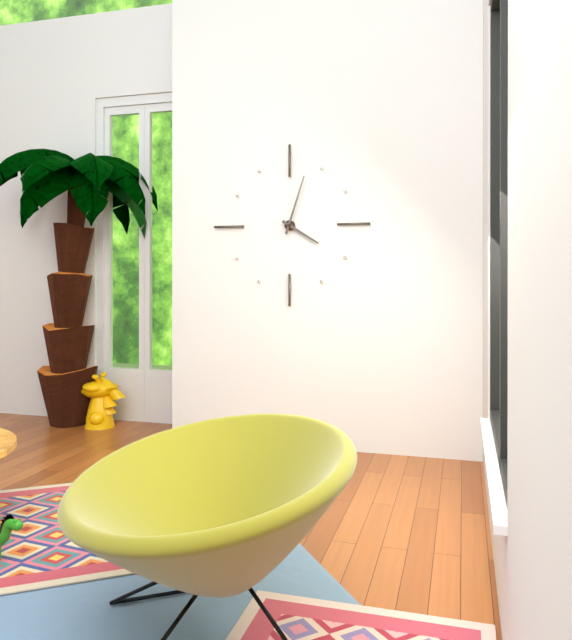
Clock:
4 h 03 min
